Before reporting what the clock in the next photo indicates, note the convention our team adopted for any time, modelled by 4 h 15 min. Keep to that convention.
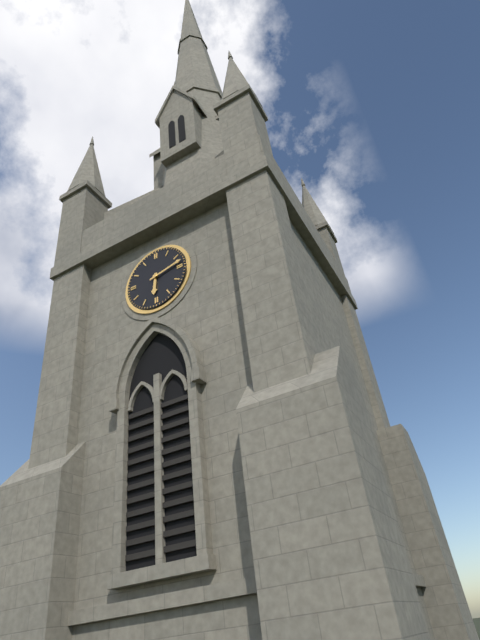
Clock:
6 h 13 min
